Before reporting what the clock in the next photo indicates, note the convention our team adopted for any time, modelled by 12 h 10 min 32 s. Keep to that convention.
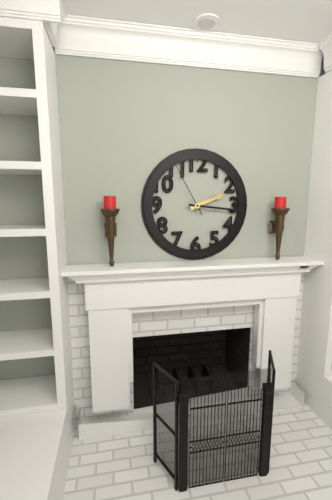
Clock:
2 h 16 min 55 s
